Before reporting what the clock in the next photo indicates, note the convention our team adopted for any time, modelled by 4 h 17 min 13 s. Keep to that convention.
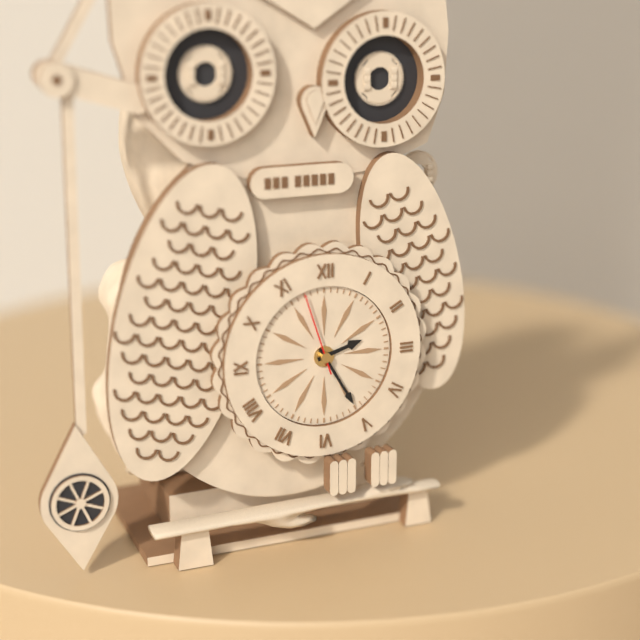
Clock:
2 h 25 min 57 s
